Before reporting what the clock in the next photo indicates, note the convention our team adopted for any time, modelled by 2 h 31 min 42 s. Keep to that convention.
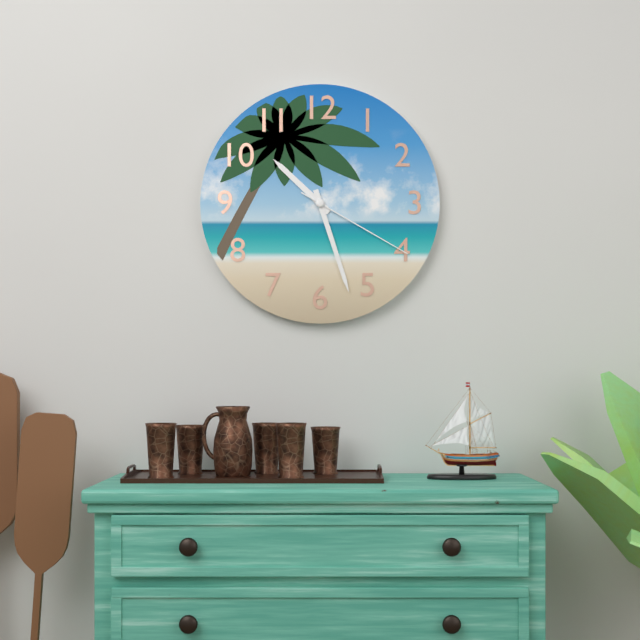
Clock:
10 h 27 min 20 s
